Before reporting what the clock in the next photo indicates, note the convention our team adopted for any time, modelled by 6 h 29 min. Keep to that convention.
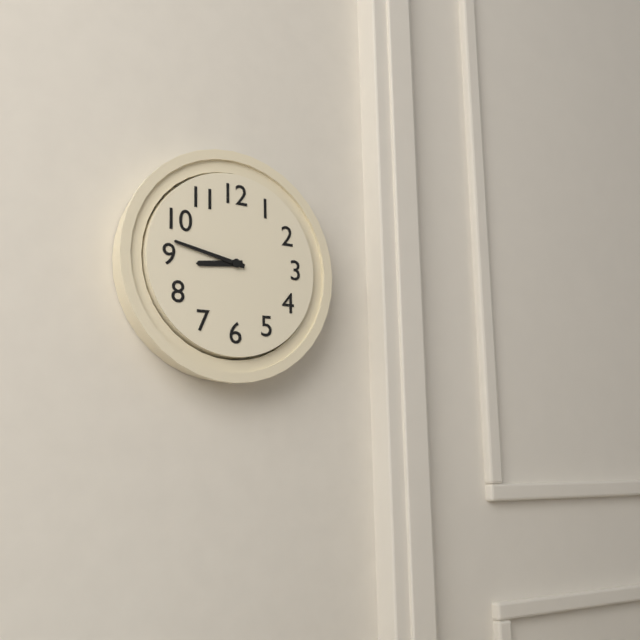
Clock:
8 h 47 min
